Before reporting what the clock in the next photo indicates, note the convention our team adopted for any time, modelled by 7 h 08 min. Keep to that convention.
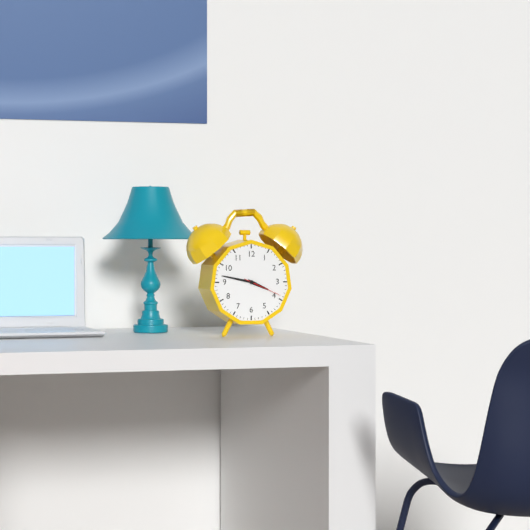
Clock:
3 h 47 min
